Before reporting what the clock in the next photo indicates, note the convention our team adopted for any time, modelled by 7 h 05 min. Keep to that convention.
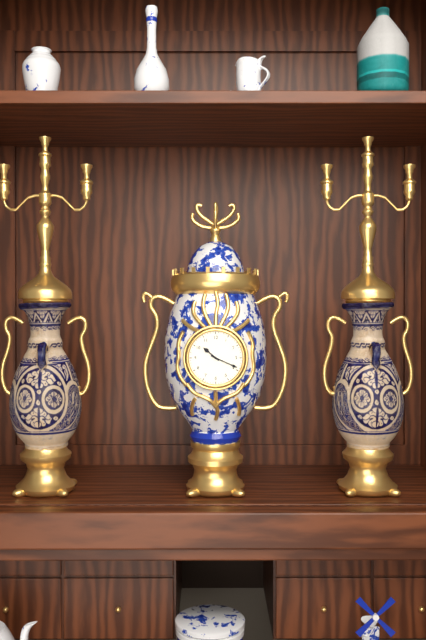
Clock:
10 h 19 min
